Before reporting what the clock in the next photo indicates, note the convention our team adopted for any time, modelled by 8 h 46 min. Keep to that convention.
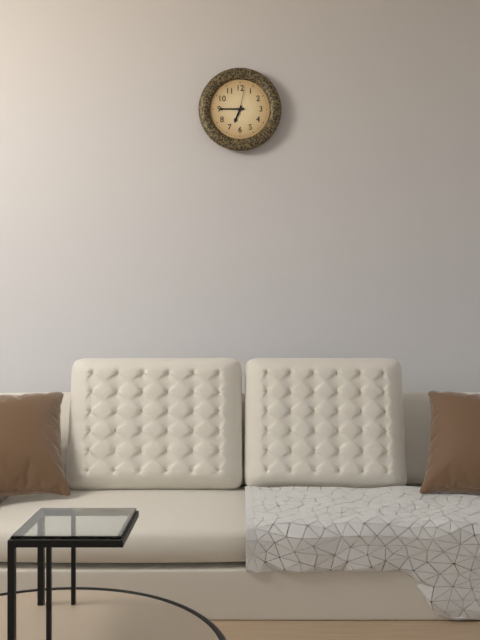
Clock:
6 h 45 min
